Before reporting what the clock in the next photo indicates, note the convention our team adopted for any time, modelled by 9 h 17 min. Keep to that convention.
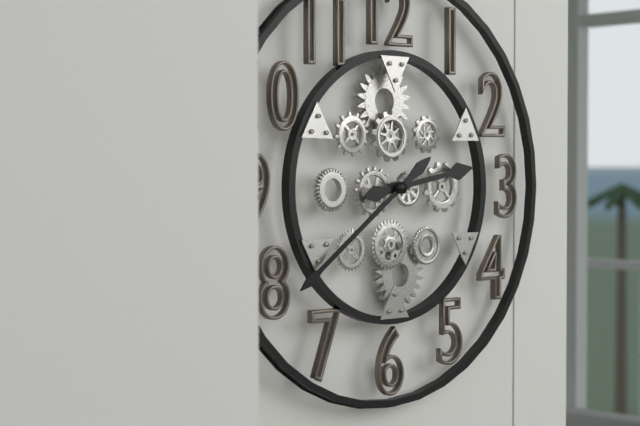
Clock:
2 h 39 min
